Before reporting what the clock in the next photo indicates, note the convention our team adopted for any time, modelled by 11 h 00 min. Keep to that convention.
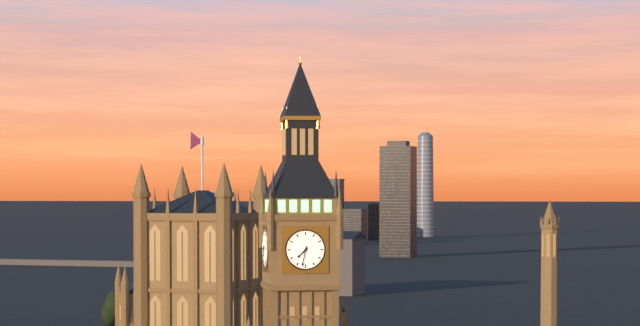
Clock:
7 h 32 min
